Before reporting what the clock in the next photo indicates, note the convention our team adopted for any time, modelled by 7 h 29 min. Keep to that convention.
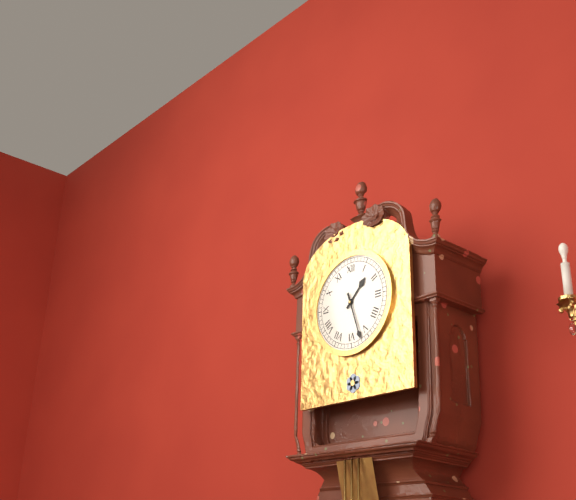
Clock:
1 h 27 min
